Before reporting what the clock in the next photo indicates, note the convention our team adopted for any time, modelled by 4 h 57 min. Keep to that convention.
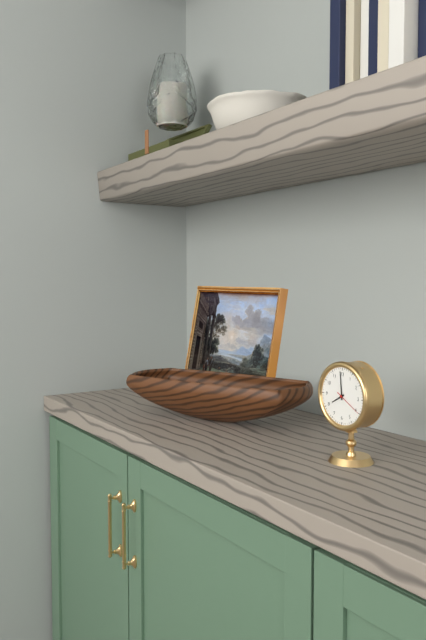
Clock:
7 h 59 min
